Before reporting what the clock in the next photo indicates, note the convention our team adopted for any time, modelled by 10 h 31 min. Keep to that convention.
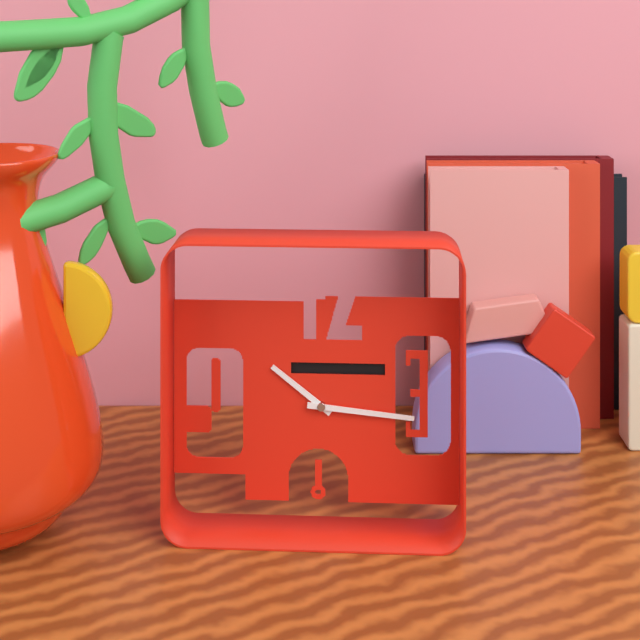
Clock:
10 h 16 min
